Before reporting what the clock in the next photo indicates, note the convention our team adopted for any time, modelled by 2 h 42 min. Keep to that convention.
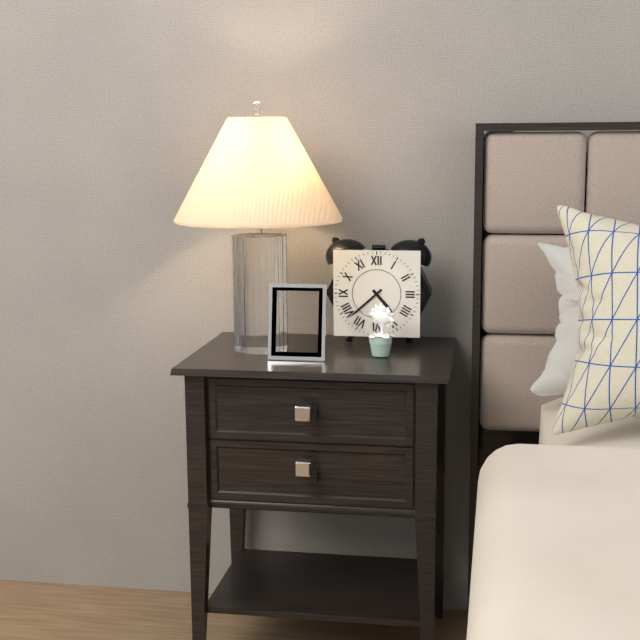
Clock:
4 h 38 min
